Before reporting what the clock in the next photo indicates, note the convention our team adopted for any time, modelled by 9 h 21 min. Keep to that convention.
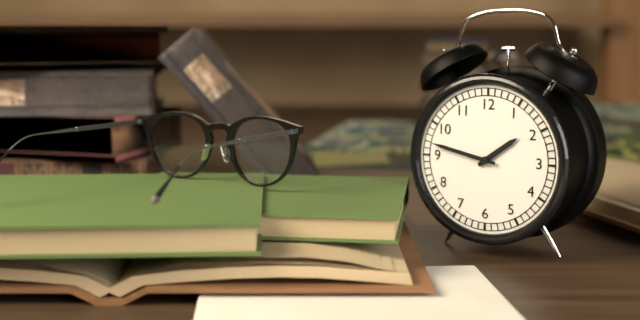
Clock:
1 h 47 min
